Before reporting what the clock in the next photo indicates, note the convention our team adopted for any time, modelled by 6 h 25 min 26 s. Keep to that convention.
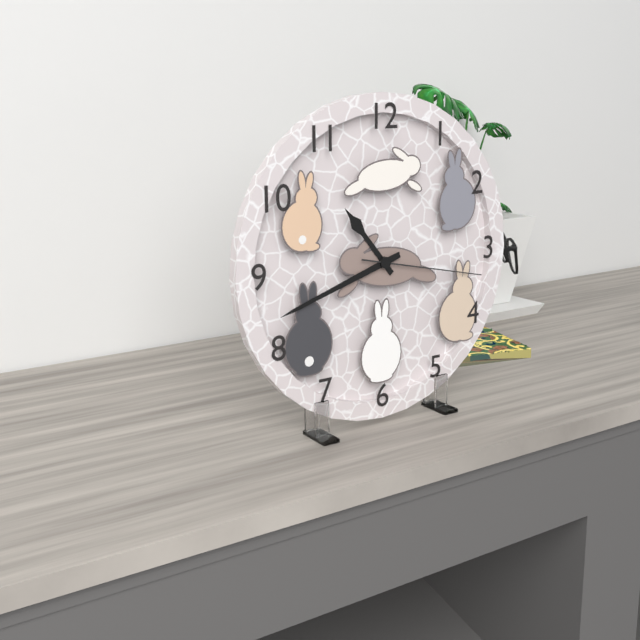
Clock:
10 h 42 min 17 s
